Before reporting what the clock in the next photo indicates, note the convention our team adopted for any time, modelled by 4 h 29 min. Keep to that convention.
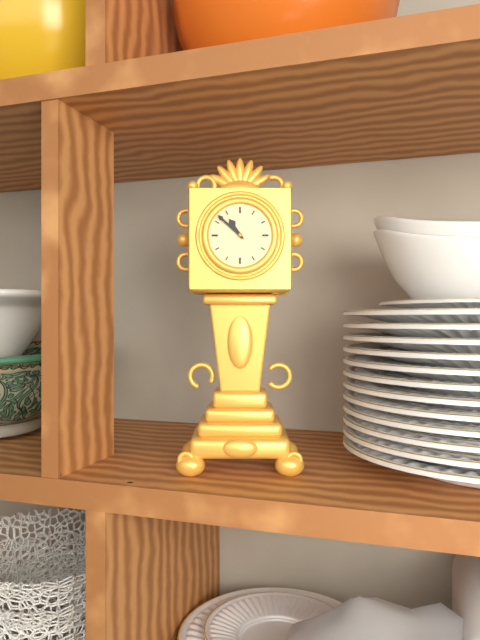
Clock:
10 h 52 min
